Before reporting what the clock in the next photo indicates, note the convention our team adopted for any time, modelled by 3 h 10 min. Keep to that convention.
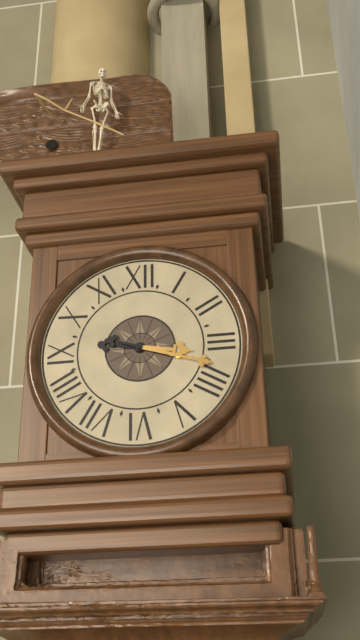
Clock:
3 h 18 min
